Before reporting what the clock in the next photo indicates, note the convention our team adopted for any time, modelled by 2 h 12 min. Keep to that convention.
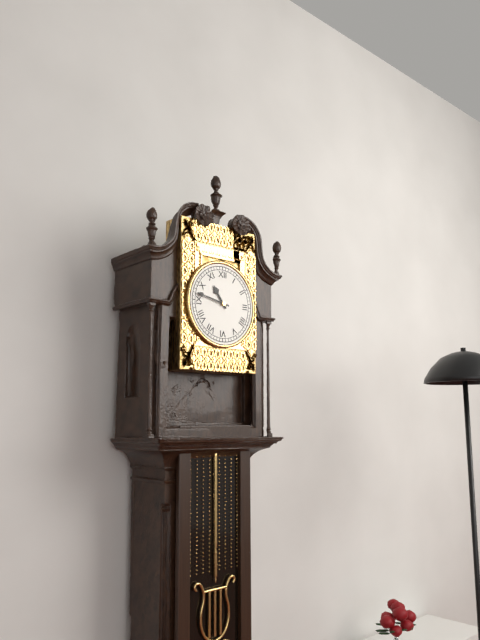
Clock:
10 h 47 min
